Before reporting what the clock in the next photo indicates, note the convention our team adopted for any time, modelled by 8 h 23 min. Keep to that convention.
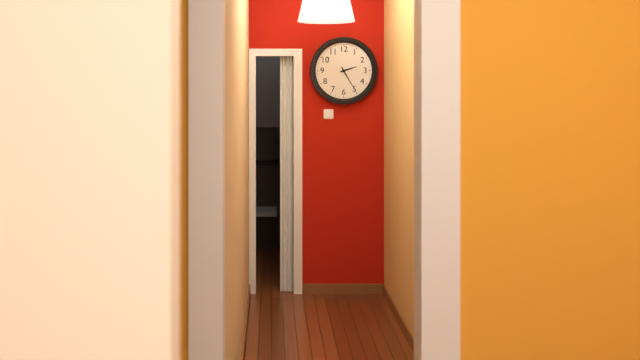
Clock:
2 h 25 min
